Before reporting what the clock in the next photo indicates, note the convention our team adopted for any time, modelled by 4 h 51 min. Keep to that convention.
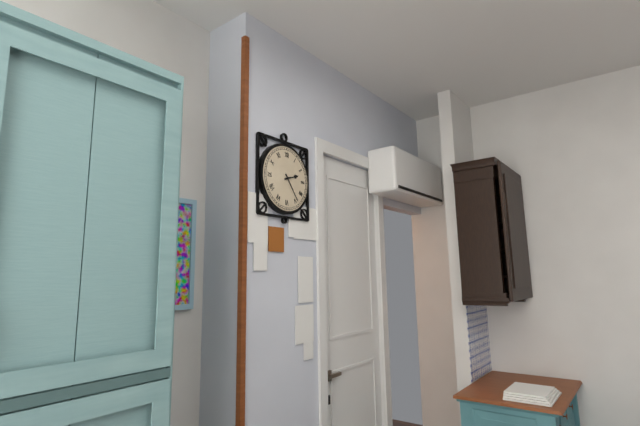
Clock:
2 h 24 min
